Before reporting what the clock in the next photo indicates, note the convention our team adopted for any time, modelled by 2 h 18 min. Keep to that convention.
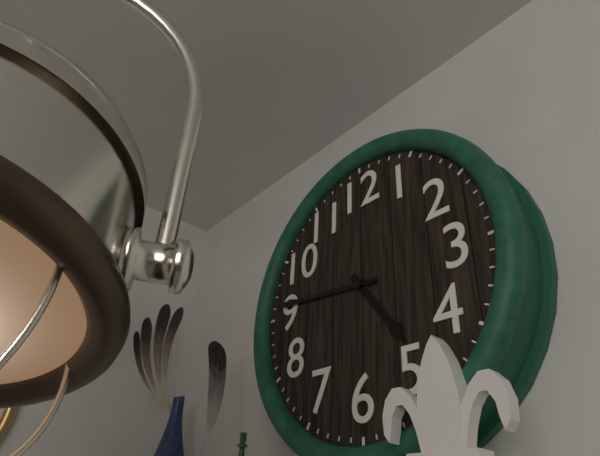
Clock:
4 h 46 min
